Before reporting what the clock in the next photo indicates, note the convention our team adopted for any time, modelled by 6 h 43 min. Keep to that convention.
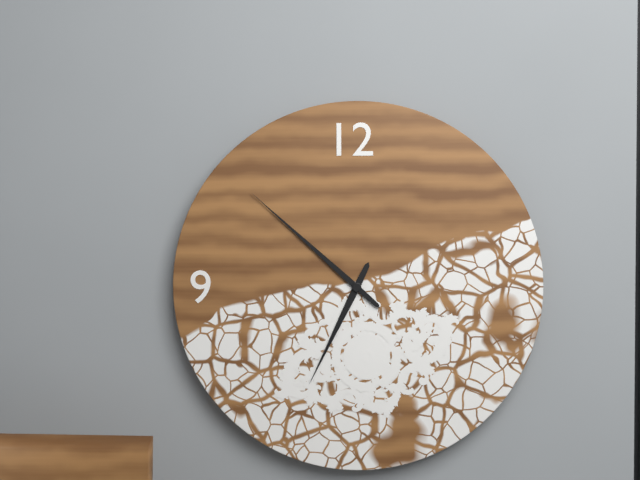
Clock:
6 h 52 min
